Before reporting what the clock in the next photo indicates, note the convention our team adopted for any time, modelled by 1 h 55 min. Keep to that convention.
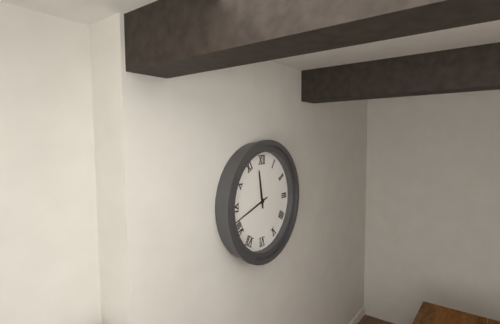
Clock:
11 h 42 min
